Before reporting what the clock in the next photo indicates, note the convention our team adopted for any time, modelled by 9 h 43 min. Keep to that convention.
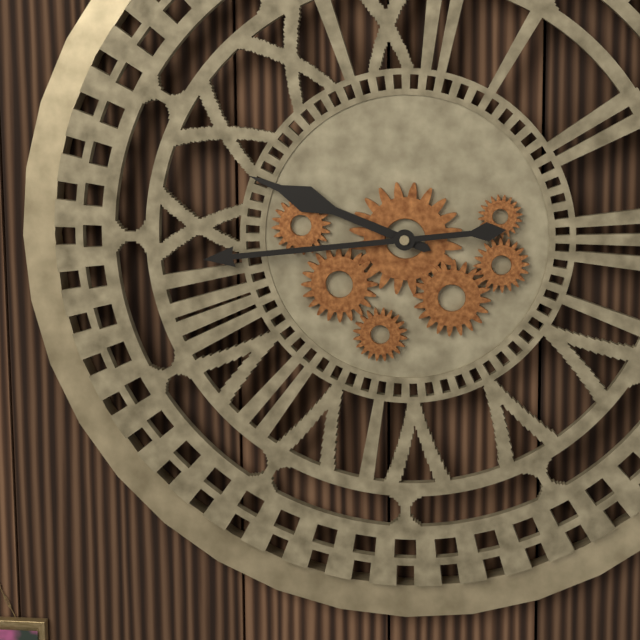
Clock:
9 h 44 min
